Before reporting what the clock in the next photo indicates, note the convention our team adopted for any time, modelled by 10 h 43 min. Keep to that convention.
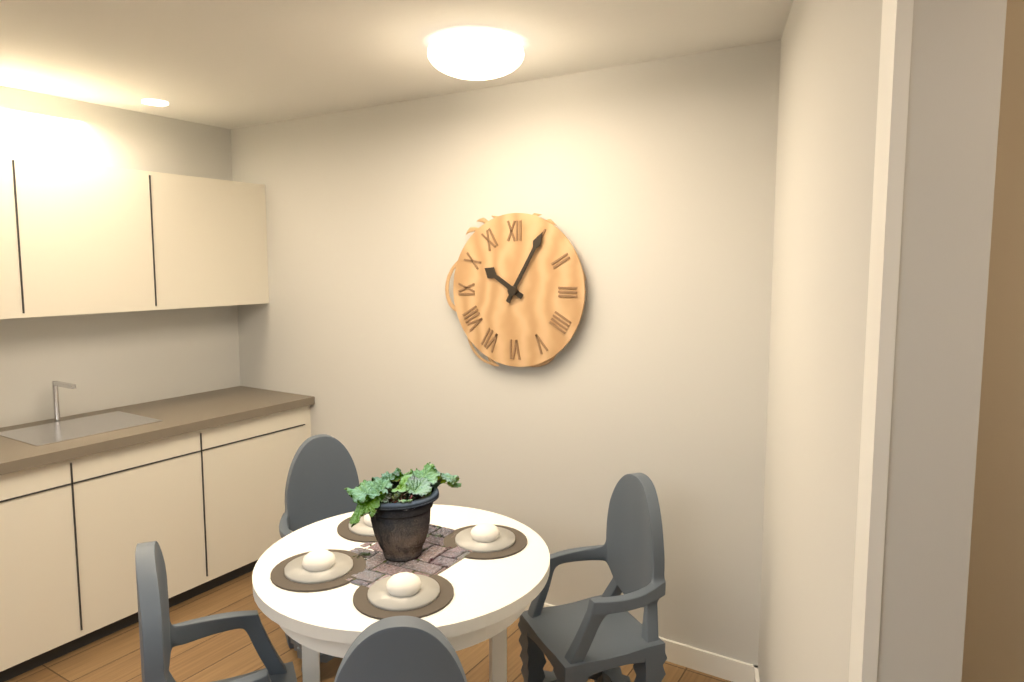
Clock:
10 h 05 min
